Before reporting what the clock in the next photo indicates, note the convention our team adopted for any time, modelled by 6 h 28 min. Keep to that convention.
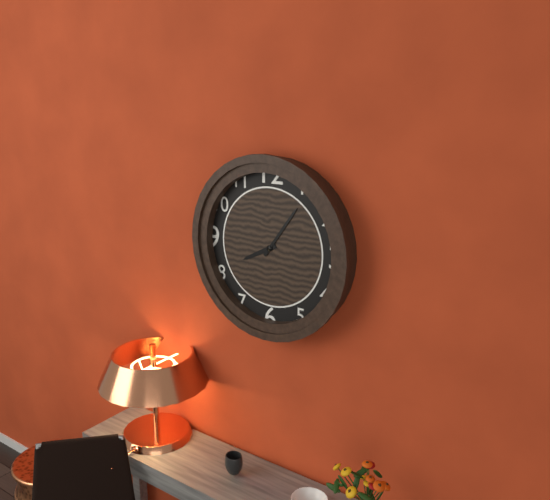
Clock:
8 h 06 min
